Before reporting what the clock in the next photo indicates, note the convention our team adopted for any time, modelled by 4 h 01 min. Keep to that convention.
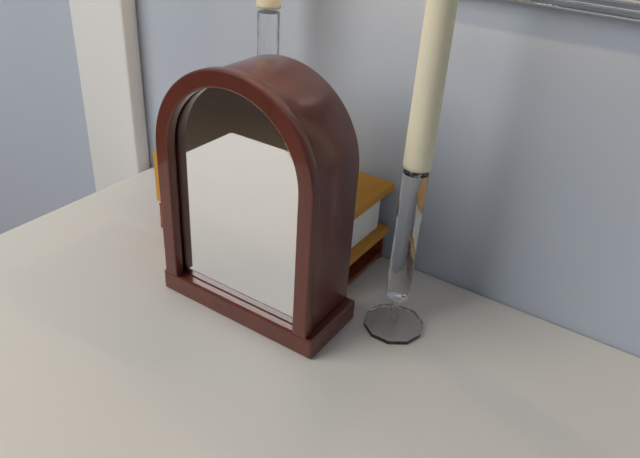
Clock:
8 h 29 min
